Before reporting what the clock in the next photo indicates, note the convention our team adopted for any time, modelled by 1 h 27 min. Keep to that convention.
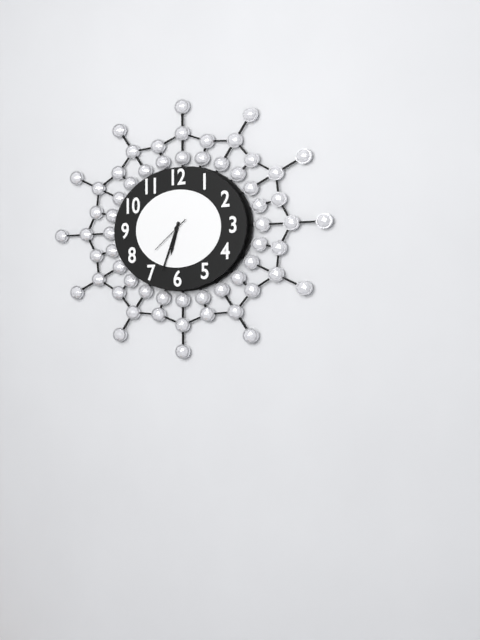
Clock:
6 h 34 min
